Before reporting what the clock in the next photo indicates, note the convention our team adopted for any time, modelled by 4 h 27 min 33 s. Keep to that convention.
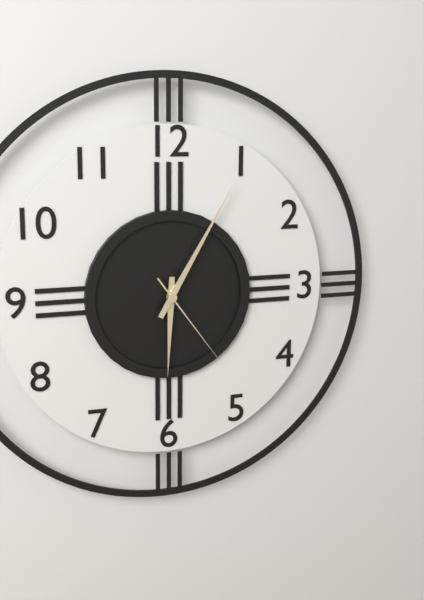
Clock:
6 h 05 min 24 s
